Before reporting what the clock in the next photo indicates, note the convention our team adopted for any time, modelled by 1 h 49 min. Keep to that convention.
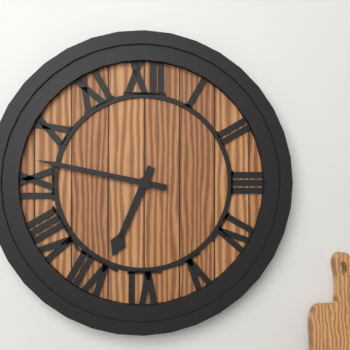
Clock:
6 h 47 min
